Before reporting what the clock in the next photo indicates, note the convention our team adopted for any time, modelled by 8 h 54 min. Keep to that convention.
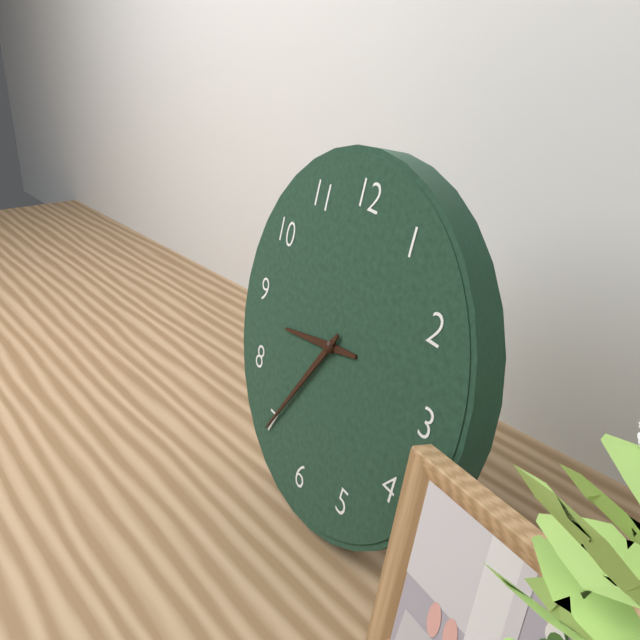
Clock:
8 h 35 min
